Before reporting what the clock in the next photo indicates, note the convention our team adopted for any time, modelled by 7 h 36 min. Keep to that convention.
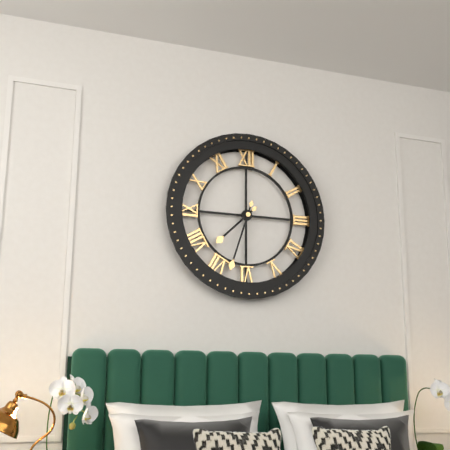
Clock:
7 h 33 min
